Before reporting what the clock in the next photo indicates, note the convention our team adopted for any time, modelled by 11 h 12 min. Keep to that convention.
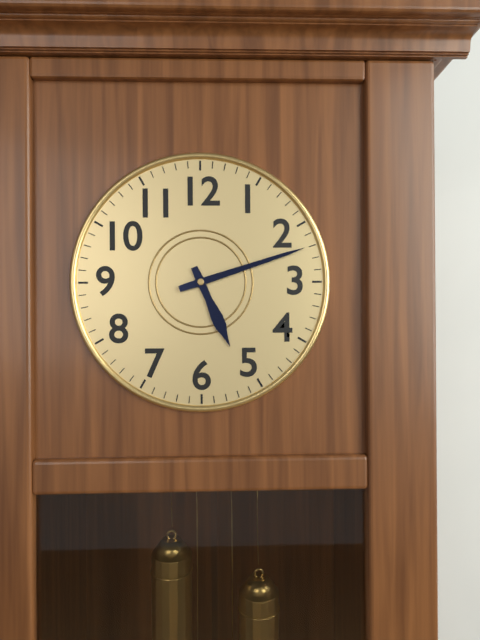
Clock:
5 h 12 min
